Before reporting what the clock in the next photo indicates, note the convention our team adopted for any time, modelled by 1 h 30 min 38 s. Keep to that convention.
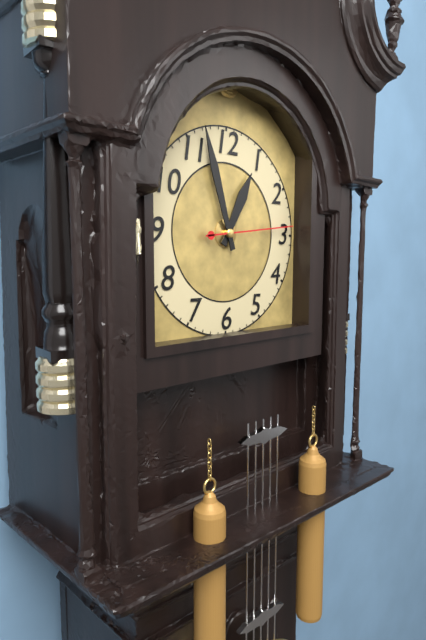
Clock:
12 h 57 min 14 s
